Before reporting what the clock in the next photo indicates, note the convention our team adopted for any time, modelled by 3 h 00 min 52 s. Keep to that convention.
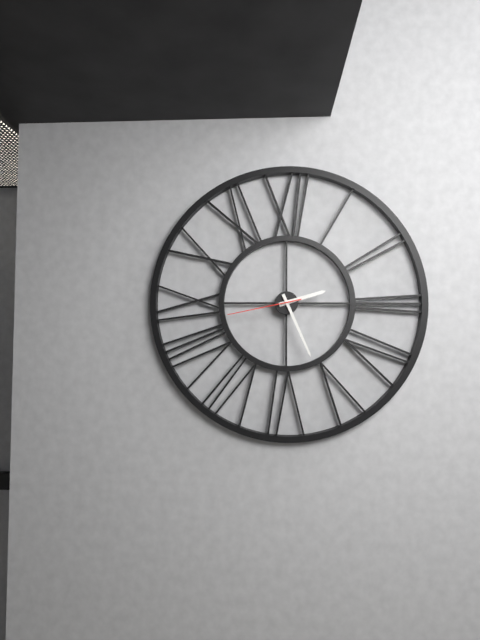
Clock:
2 h 26 min 43 s
